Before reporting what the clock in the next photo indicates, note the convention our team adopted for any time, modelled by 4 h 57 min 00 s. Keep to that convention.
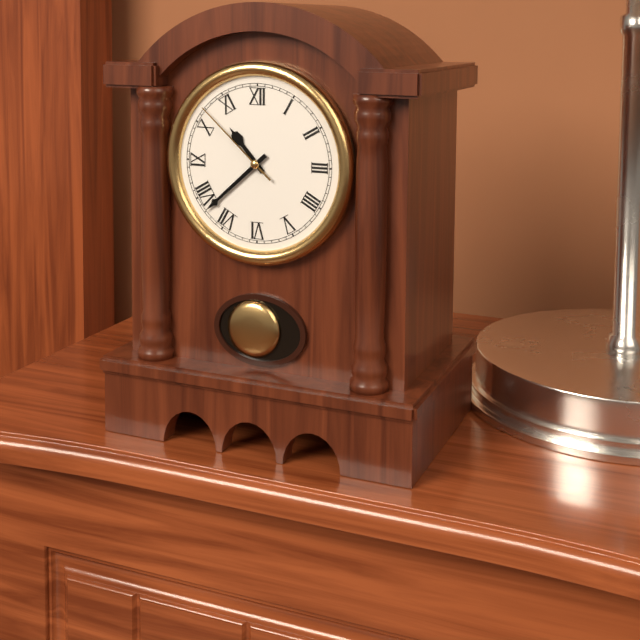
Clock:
10 h 38 min 52 s
